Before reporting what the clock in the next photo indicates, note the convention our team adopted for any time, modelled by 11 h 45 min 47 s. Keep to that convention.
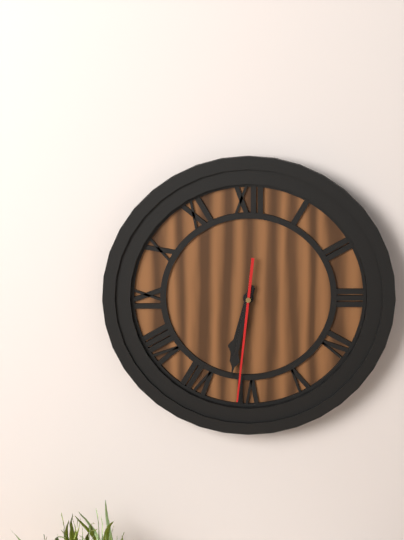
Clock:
6 h 32 min 31 s
